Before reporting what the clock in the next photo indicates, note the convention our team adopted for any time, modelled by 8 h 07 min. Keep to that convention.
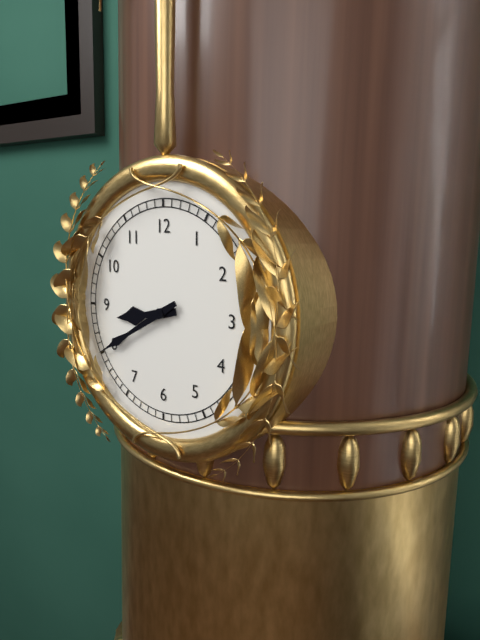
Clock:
8 h 40 min
